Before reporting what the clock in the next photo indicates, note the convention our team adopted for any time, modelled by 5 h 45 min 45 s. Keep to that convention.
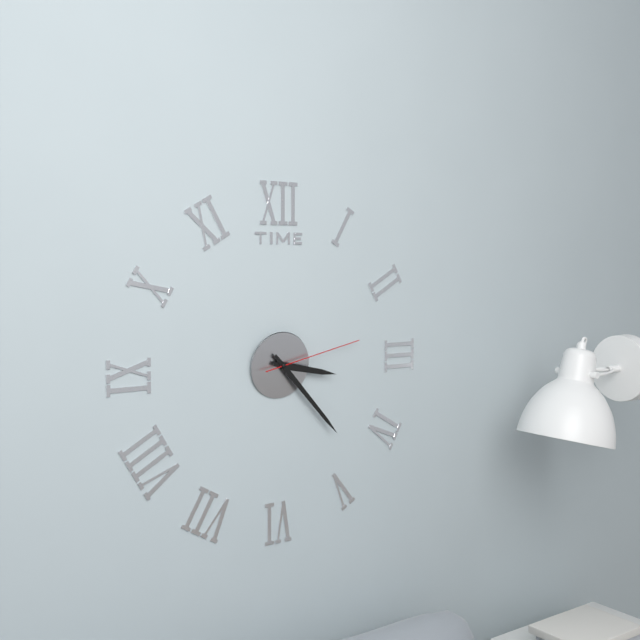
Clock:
3 h 23 min 13 s
